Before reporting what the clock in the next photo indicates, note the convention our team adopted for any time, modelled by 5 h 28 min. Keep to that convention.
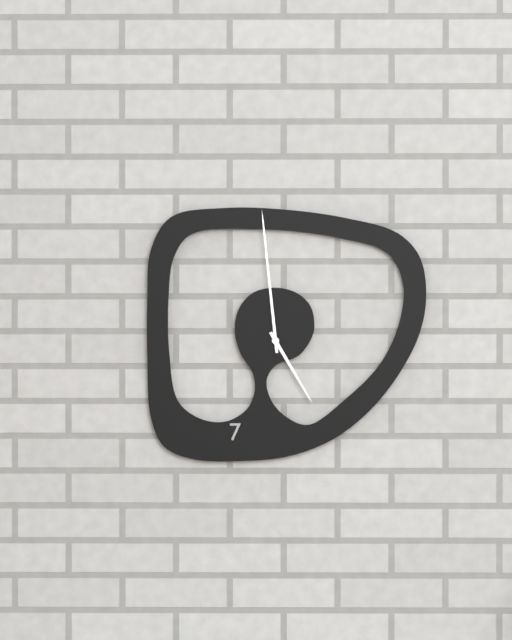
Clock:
4 h 59 min
